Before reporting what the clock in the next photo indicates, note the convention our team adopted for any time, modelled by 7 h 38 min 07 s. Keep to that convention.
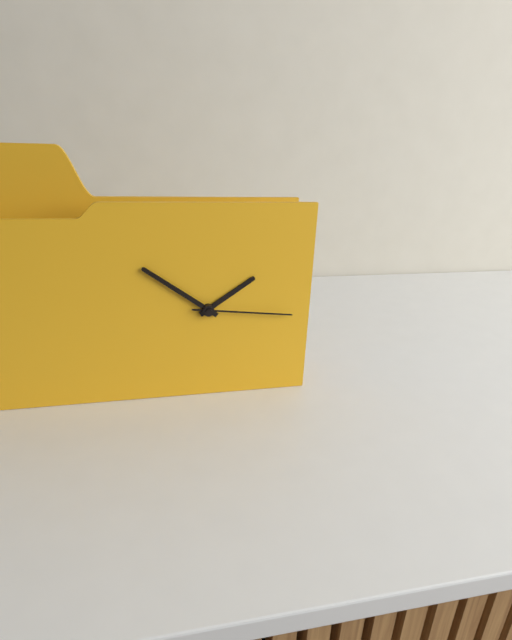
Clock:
1 h 51 min 16 s
